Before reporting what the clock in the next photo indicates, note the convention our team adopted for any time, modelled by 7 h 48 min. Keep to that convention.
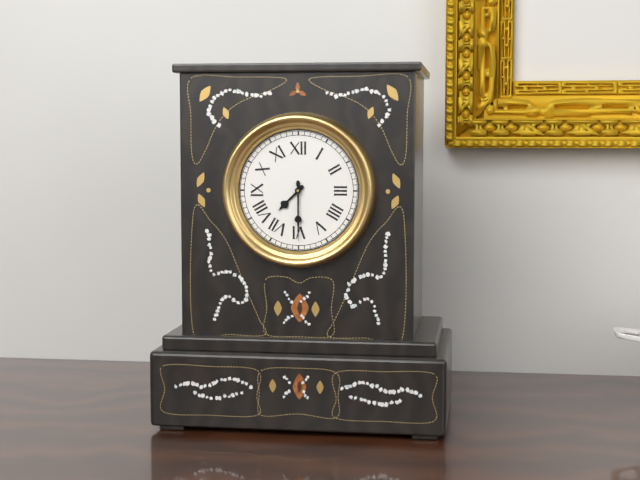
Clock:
7 h 30 min
